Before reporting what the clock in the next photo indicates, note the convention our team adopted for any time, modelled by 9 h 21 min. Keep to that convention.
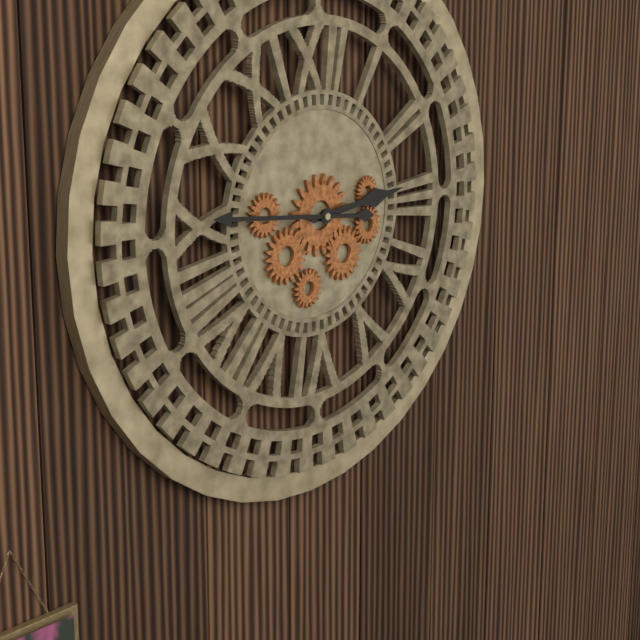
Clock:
2 h 46 min
